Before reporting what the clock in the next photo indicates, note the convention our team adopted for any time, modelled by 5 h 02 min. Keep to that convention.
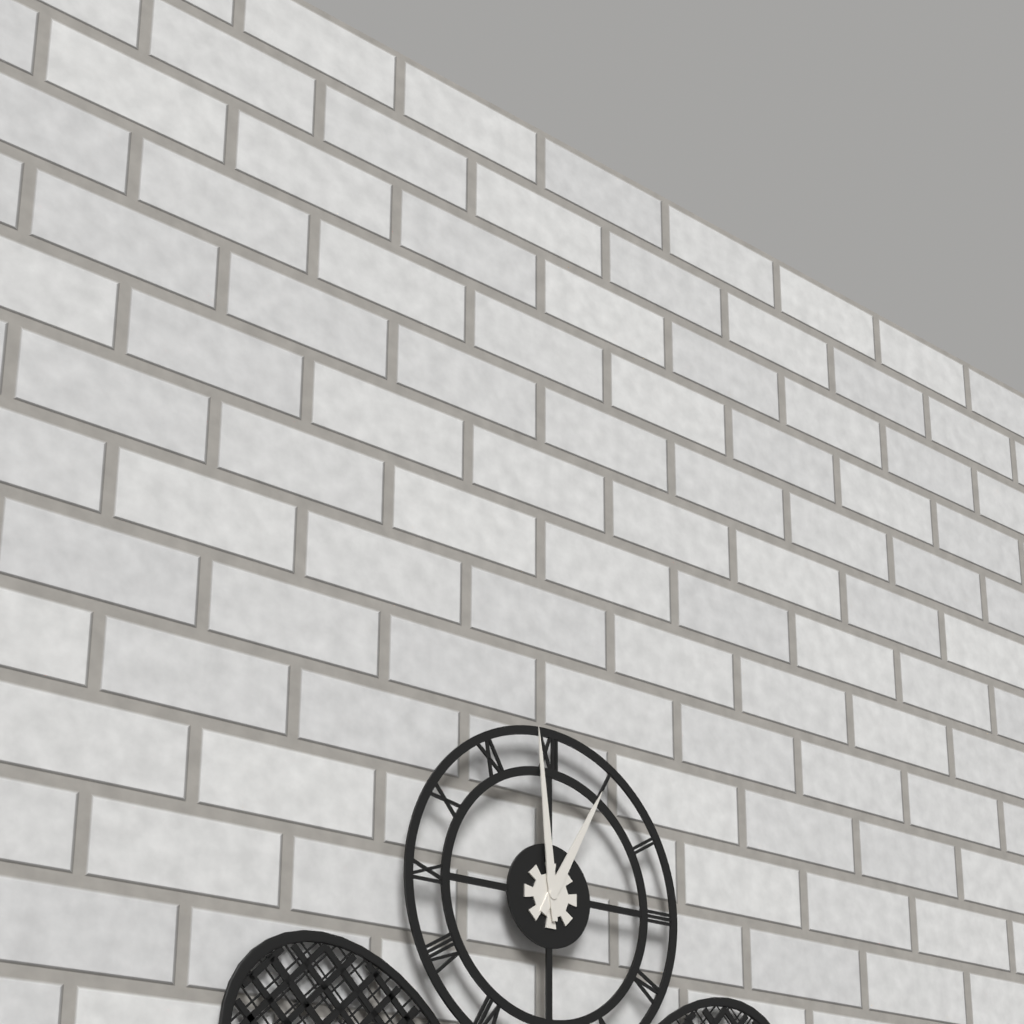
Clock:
12 h 59 min
